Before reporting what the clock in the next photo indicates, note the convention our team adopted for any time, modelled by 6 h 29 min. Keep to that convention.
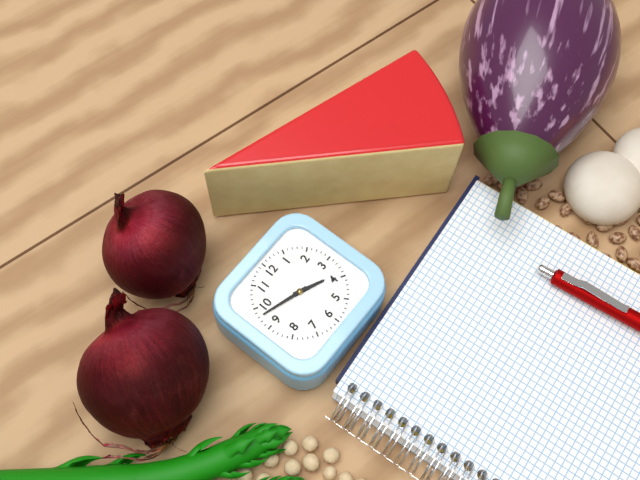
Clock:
3 h 48 min
